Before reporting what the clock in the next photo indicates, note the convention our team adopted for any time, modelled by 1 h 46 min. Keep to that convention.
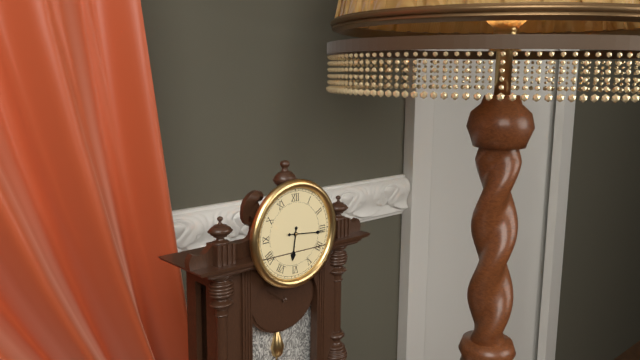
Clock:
6 h 16 min
